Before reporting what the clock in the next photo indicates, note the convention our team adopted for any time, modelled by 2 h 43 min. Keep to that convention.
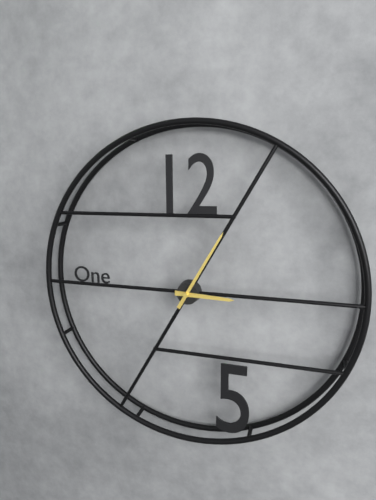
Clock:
3 h 05 min
